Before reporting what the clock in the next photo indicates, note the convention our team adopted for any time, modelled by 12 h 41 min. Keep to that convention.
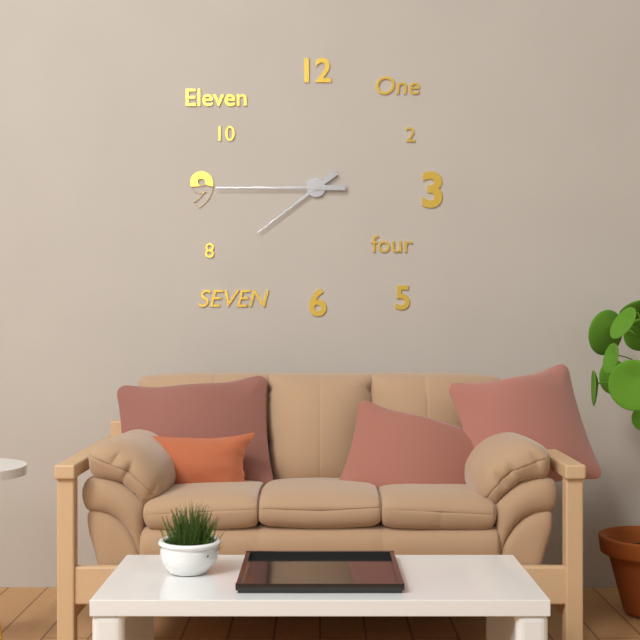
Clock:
7 h 45 min
